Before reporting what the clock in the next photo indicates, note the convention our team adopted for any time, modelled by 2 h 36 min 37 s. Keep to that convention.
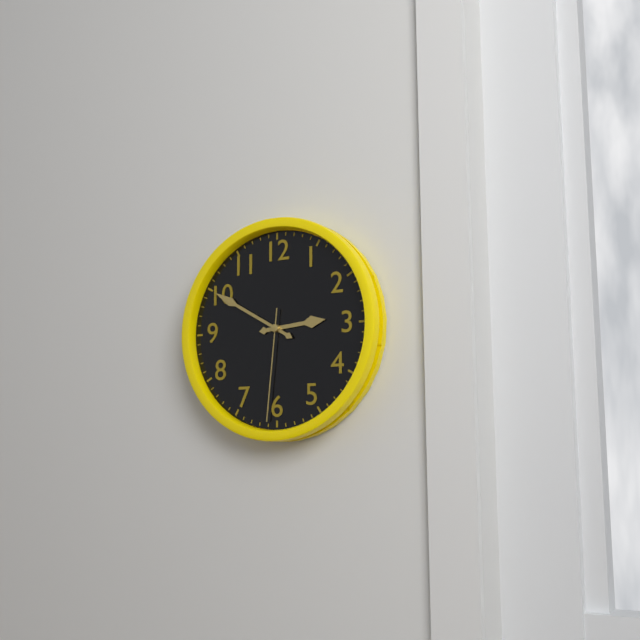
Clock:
2 h 50 min 31 s
